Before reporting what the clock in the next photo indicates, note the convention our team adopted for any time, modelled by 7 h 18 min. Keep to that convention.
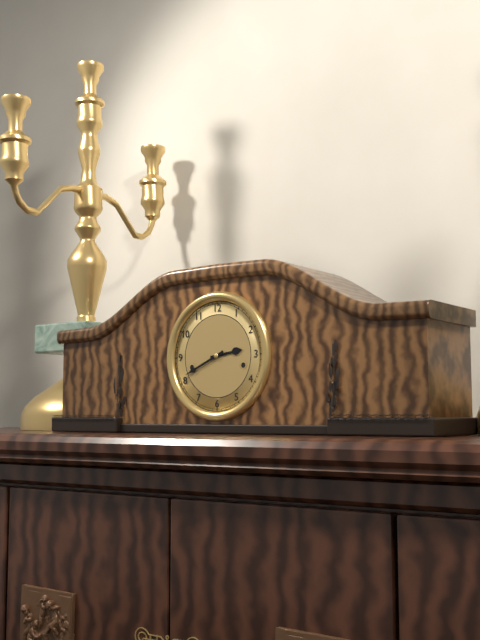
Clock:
2 h 41 min
